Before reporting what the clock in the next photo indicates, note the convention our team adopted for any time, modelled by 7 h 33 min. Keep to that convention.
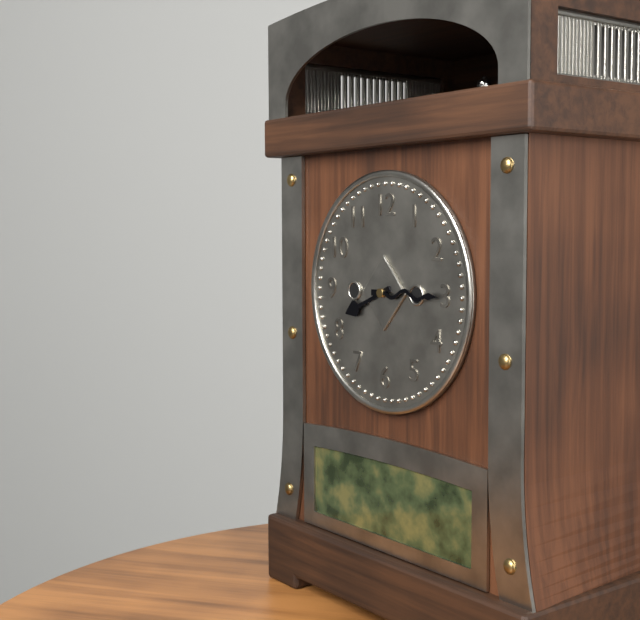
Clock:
8 h 15 min
